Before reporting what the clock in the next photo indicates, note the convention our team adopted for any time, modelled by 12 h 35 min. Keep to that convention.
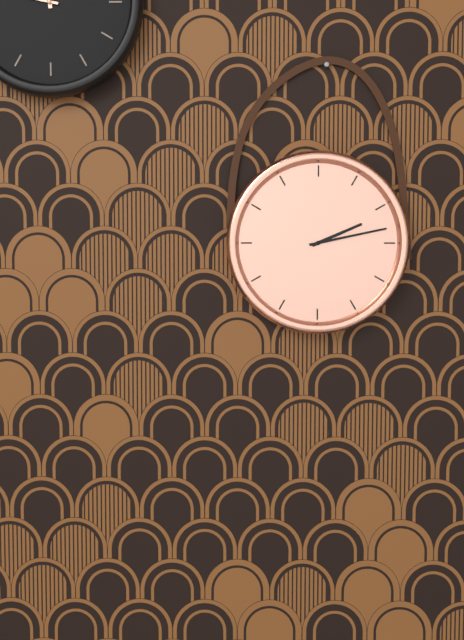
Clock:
2 h 13 min
